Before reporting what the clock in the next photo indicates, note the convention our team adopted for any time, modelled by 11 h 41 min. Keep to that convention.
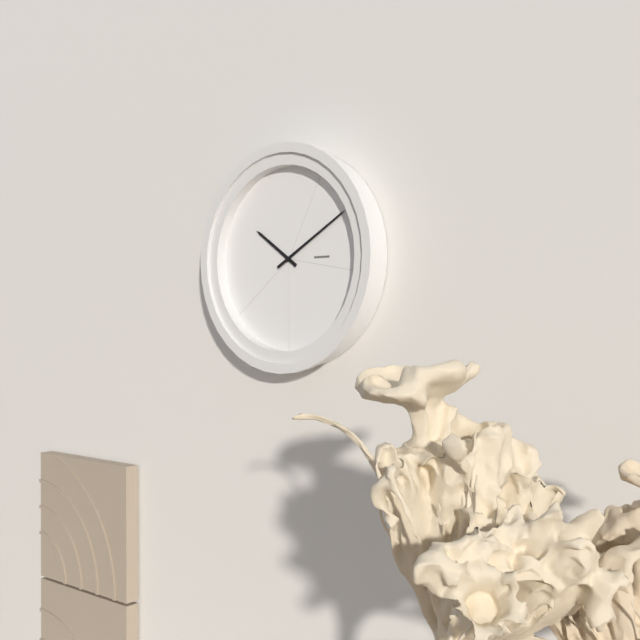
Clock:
10 h 10 min
